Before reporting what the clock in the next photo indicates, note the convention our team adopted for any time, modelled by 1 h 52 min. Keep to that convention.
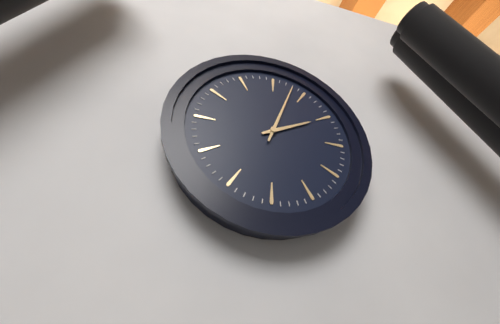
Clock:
2 h 03 min
